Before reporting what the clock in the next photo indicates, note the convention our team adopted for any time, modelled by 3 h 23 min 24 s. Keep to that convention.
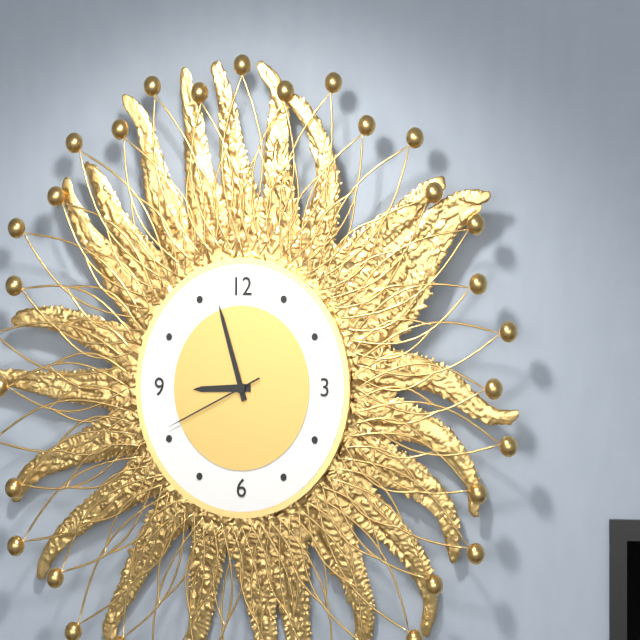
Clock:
8 h 57 min 41 s
